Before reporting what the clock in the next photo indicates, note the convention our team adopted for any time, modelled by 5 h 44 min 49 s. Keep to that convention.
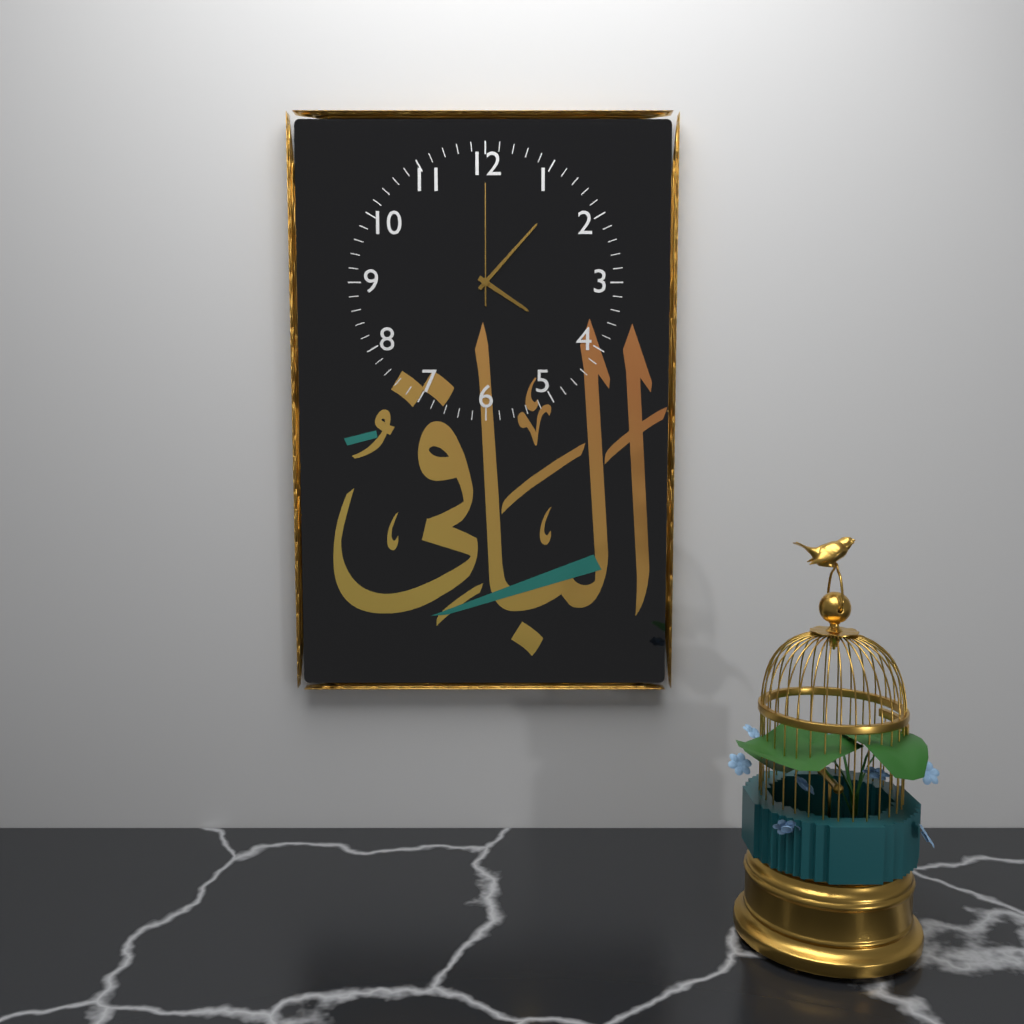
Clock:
4 h 07 min 00 s
